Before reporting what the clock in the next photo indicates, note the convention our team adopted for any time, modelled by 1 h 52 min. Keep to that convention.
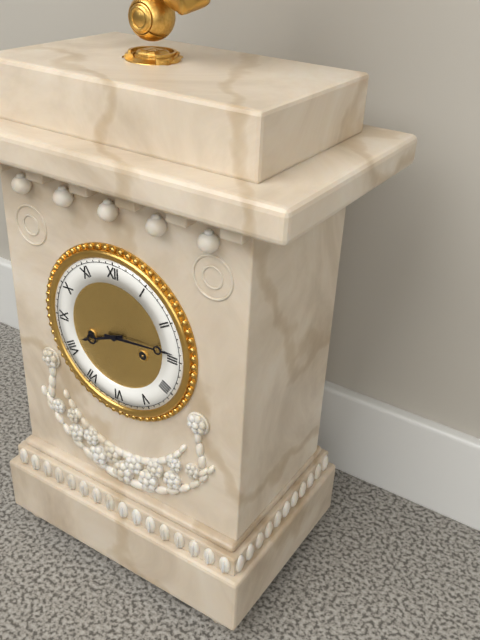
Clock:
8 h 14 min
